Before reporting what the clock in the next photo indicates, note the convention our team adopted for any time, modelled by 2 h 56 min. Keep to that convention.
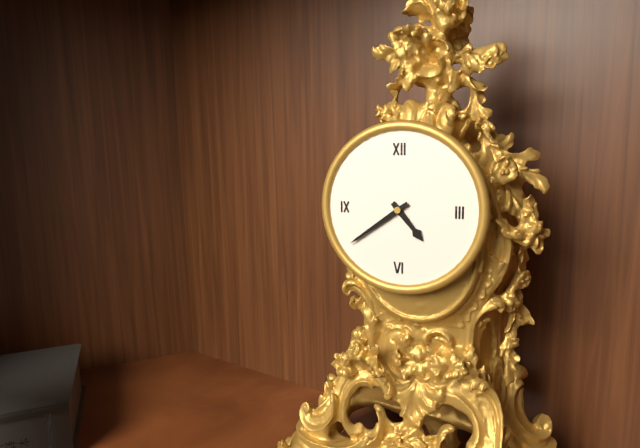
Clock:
4 h 39 min
